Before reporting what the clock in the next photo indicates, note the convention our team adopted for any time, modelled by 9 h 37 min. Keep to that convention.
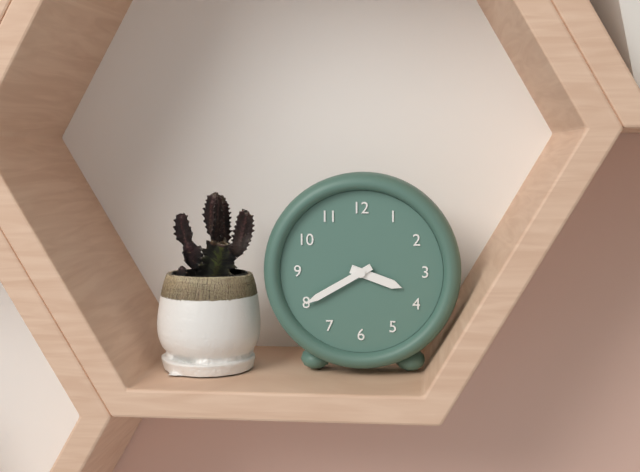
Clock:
3 h 40 min
